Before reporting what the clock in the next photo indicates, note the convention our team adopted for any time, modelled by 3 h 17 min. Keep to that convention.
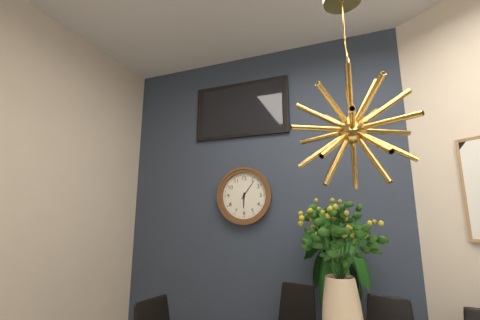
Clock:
6 h 06 min
